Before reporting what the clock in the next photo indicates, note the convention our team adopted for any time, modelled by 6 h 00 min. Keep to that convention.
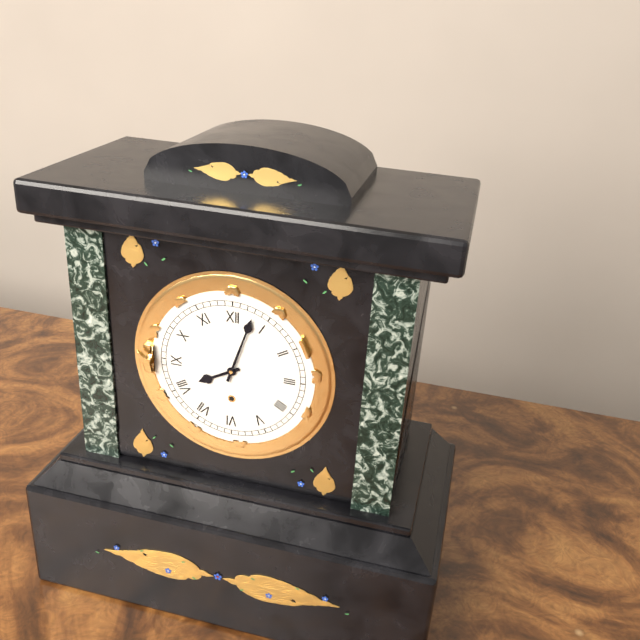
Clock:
8 h 03 min
